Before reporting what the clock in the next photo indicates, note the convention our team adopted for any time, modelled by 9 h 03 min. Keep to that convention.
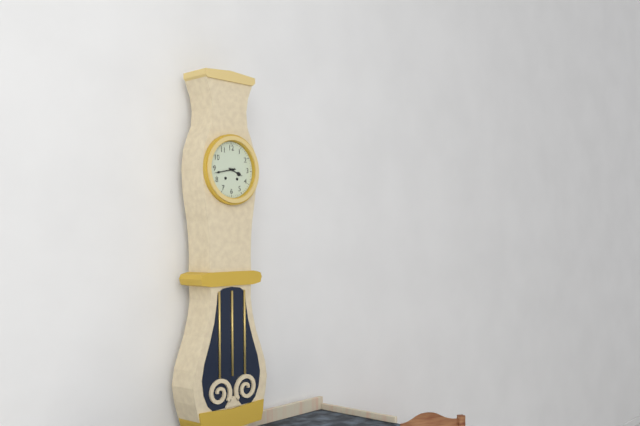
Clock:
3 h 43 min
